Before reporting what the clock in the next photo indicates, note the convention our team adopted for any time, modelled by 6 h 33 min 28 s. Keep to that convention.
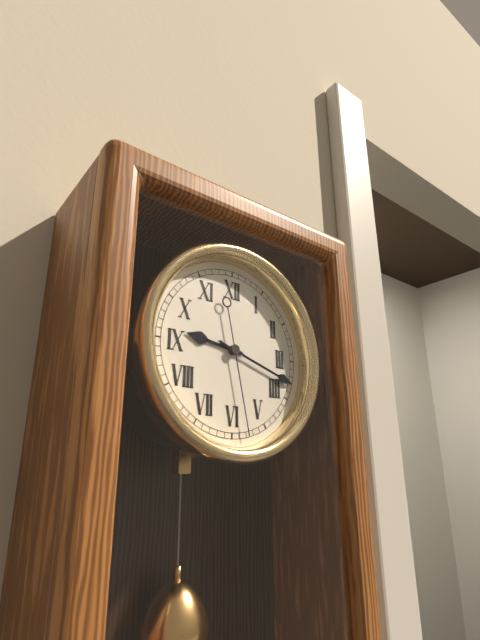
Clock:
9 h 18 min 28 s
